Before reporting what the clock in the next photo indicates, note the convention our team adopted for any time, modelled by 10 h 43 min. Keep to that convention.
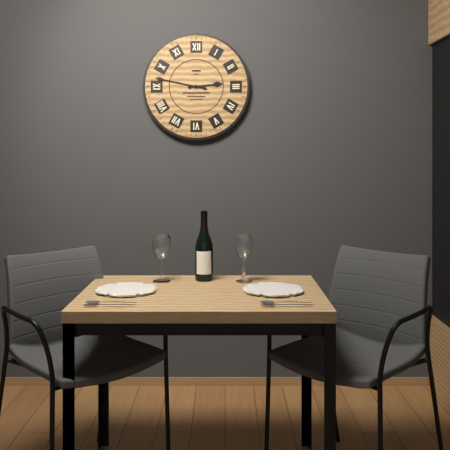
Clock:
2 h 47 min
